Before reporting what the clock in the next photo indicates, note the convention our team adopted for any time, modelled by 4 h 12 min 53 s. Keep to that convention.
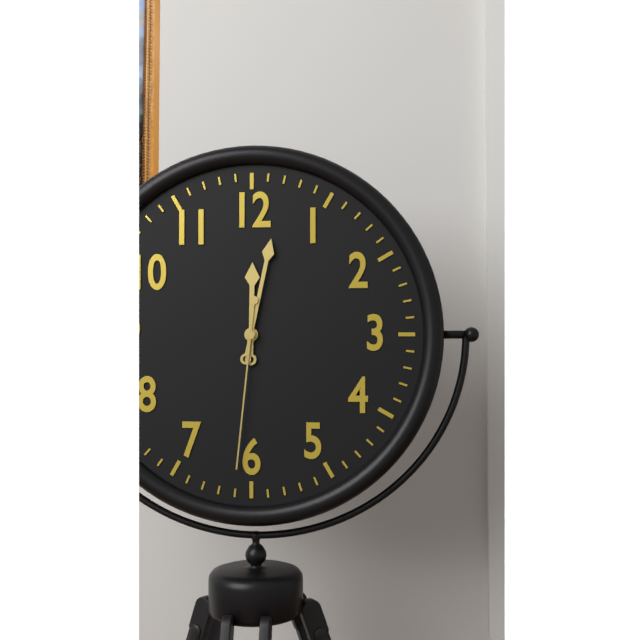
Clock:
12 h 02 min 31 s
